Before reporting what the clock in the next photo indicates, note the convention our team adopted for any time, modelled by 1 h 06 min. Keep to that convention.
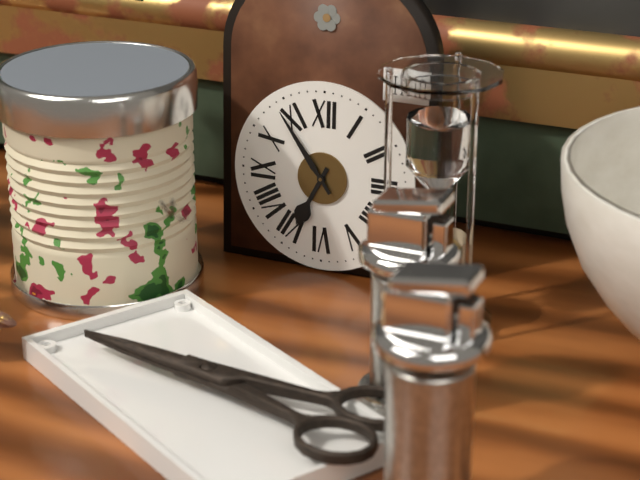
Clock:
6 h 54 min
